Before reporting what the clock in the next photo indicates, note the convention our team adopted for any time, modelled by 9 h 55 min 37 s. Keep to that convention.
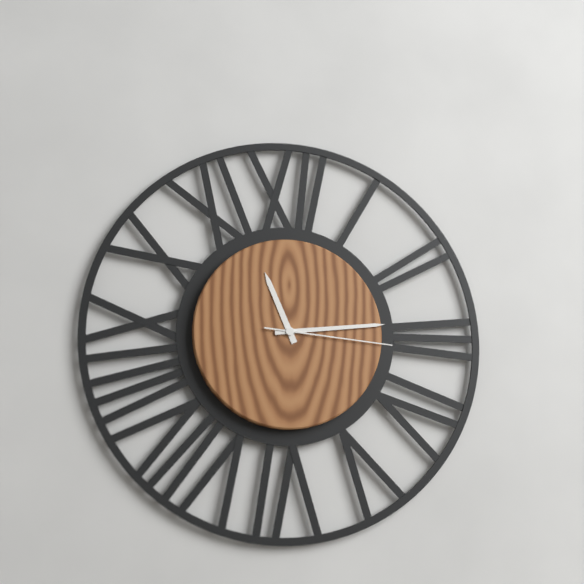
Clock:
11 h 14 min 16 s
